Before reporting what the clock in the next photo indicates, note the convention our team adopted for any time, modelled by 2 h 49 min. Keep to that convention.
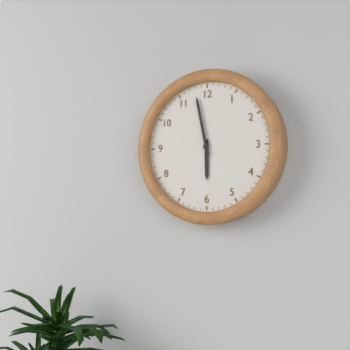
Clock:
5 h 58 min
